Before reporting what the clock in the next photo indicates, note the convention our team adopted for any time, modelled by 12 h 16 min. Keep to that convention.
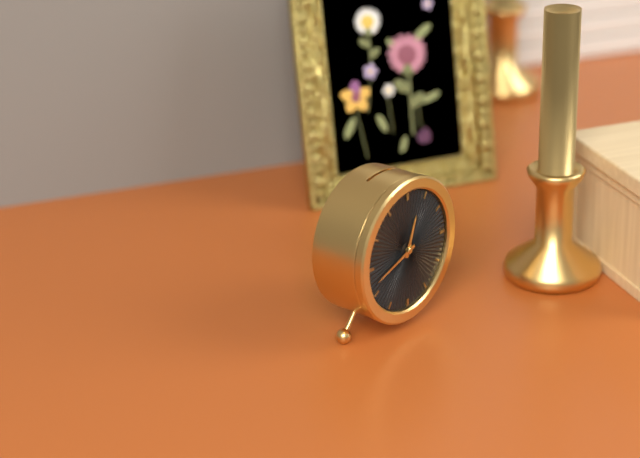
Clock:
12 h 42 min
